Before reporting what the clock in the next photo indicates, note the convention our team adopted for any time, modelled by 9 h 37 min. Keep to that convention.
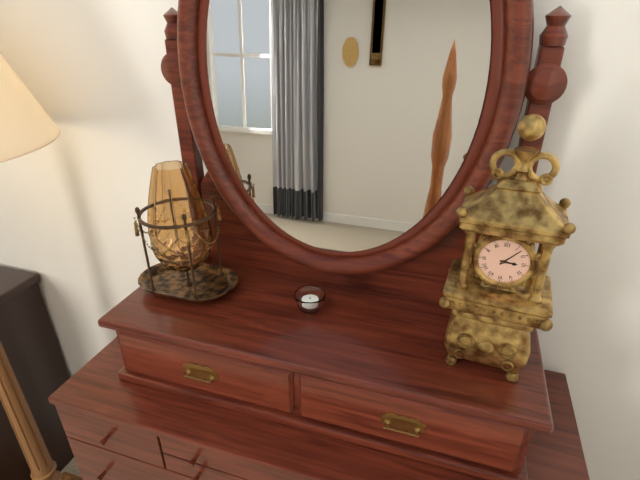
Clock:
3 h 07 min
